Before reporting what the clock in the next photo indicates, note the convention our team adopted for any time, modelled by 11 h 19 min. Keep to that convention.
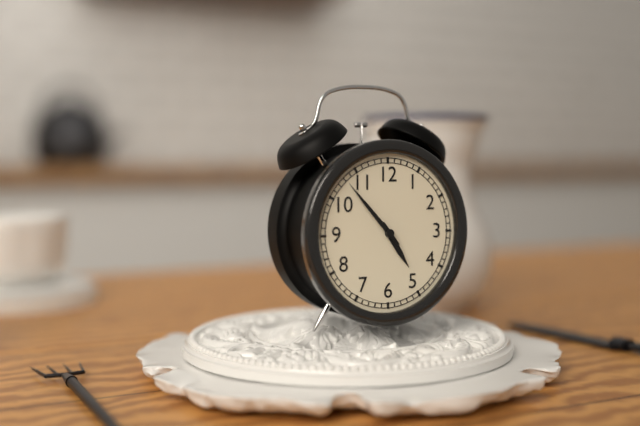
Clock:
4 h 53 min
